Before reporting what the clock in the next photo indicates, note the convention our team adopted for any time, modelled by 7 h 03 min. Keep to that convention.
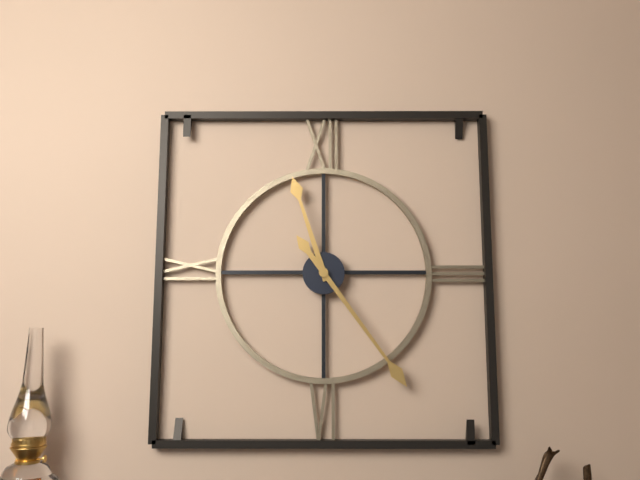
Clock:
11 h 24 min
